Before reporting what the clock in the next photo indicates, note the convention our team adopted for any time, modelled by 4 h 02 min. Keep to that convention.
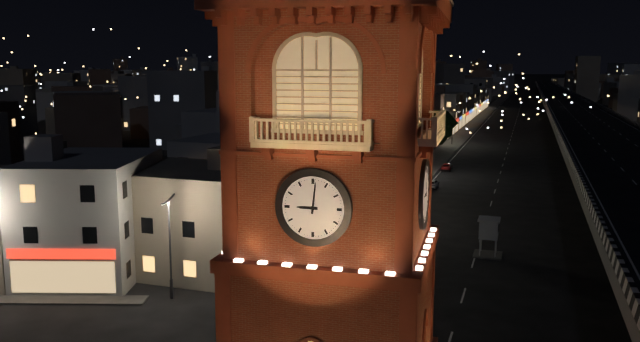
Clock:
9 h 01 min
